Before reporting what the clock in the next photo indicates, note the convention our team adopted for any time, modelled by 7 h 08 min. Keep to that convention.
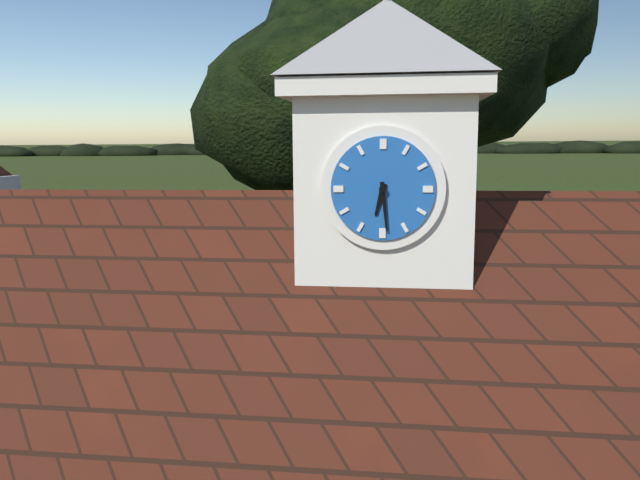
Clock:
6 h 29 min
